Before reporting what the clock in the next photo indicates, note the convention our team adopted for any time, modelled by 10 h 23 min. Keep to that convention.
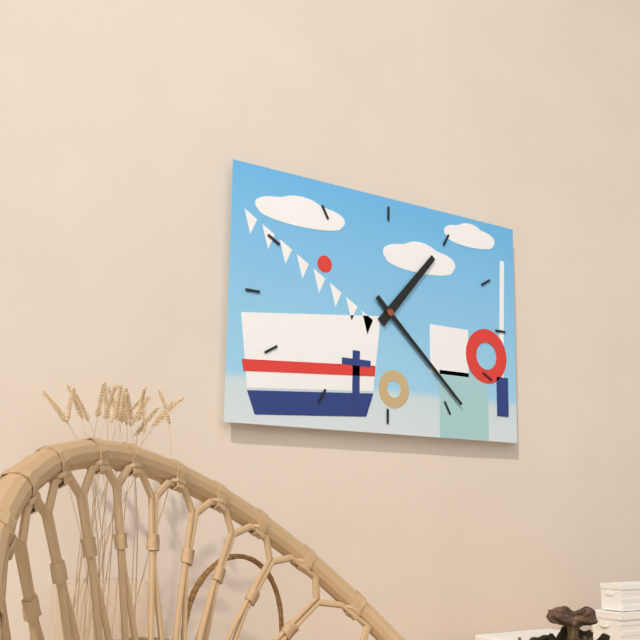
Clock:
1 h 22 min
